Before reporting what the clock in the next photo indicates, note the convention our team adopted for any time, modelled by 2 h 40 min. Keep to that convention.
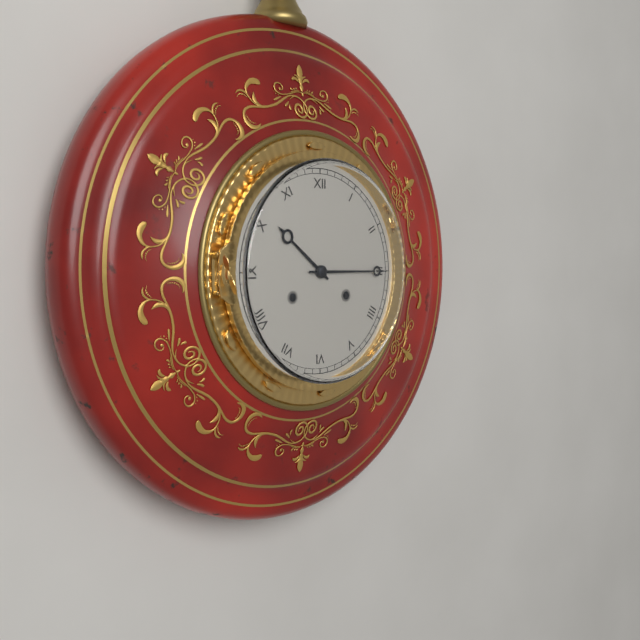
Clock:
10 h 15 min
